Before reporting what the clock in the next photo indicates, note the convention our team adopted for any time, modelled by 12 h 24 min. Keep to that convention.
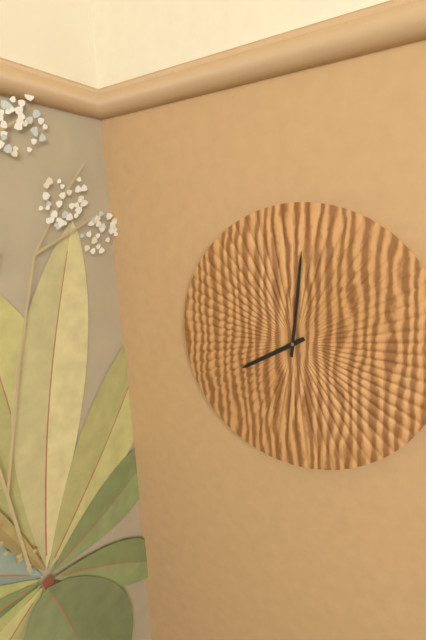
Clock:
8 h 01 min
